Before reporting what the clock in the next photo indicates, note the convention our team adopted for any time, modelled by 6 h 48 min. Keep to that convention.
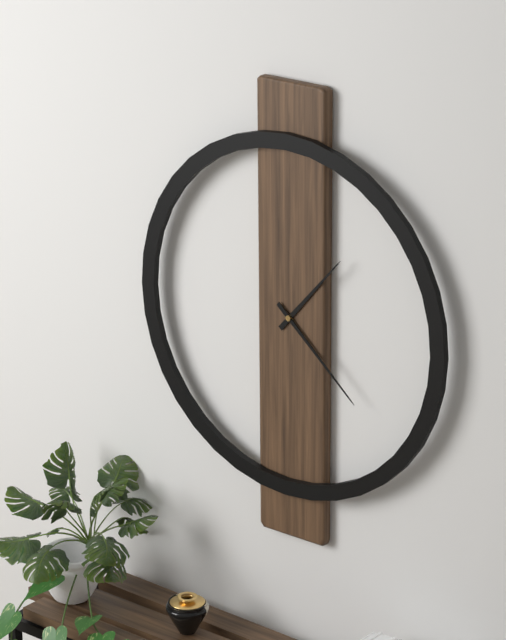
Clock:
1 h 22 min
